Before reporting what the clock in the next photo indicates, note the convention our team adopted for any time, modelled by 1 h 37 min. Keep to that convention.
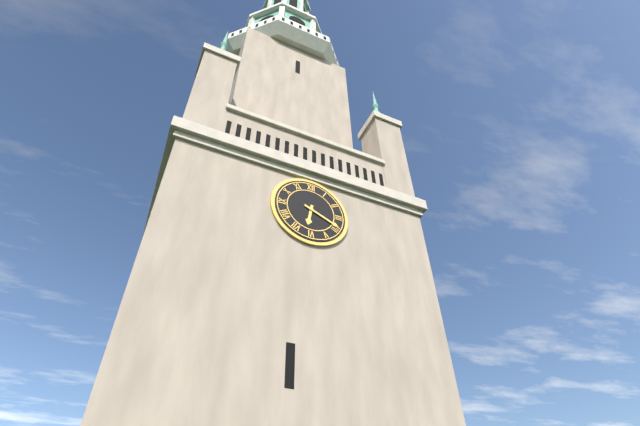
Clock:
6 h 19 min
